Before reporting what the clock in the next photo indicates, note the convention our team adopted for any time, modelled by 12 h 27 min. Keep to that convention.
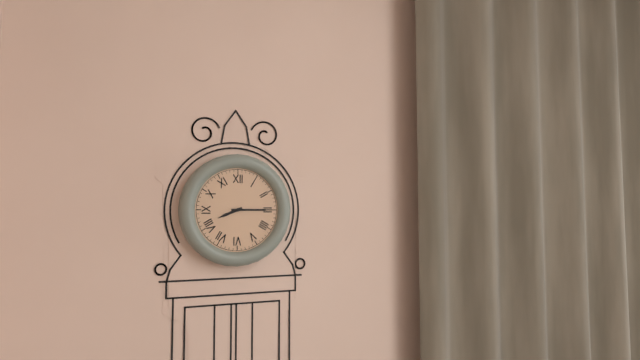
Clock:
8 h 15 min
